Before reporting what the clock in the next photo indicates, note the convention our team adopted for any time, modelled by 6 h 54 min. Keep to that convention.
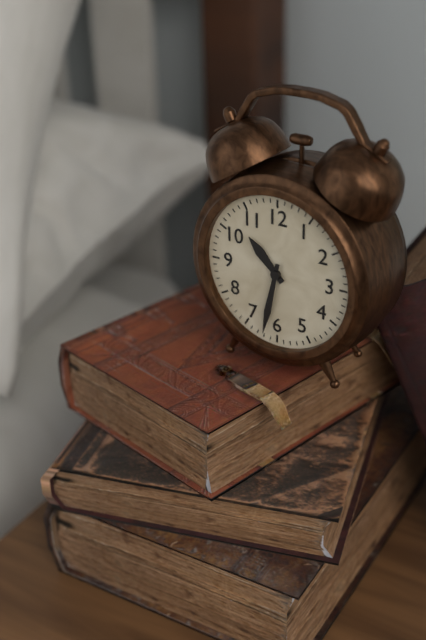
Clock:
10 h 32 min
